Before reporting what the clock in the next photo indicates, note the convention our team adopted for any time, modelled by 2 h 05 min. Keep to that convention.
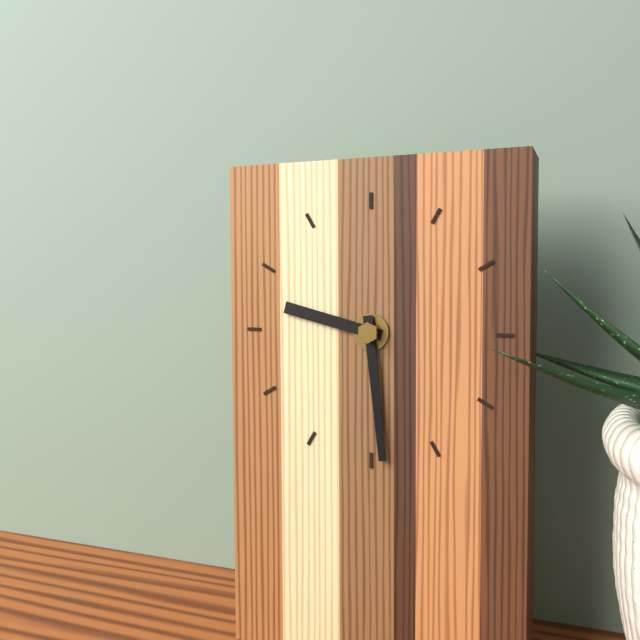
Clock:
9 h 29 min
